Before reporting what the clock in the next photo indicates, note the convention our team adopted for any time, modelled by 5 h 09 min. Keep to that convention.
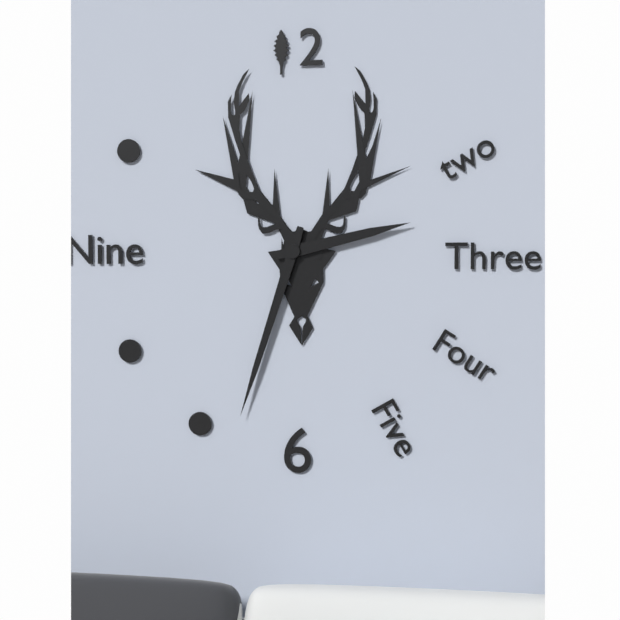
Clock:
2 h 33 min
